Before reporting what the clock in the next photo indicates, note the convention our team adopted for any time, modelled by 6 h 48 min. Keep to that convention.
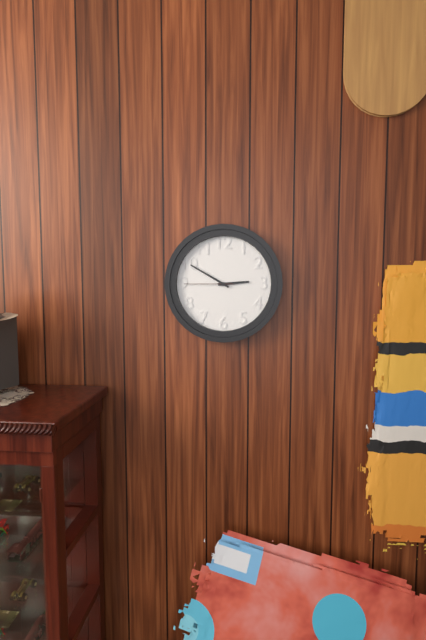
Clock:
2 h 50 min
